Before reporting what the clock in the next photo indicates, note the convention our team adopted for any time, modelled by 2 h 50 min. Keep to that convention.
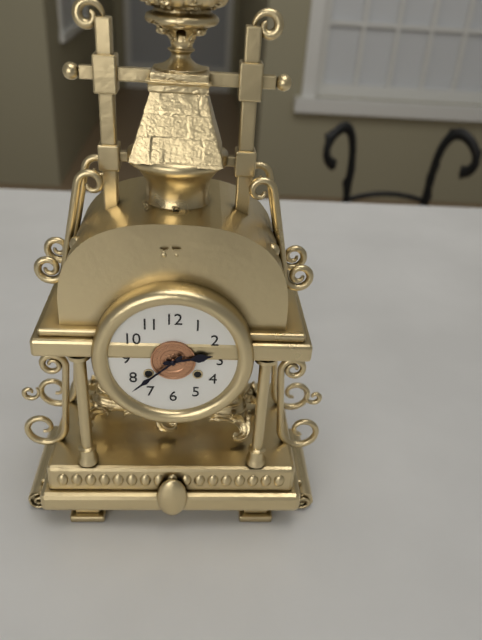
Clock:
2 h 38 min
